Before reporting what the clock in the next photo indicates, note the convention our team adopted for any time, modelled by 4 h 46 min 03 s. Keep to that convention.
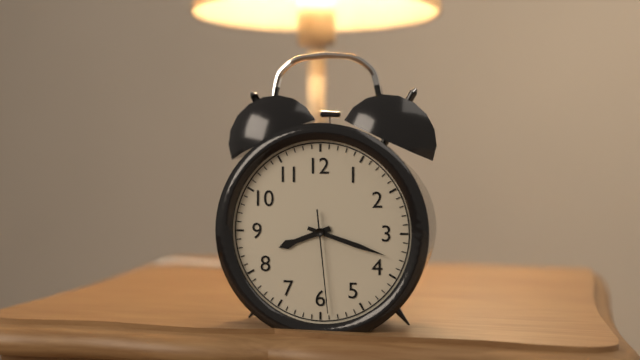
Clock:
8 h 18 min 29 s
